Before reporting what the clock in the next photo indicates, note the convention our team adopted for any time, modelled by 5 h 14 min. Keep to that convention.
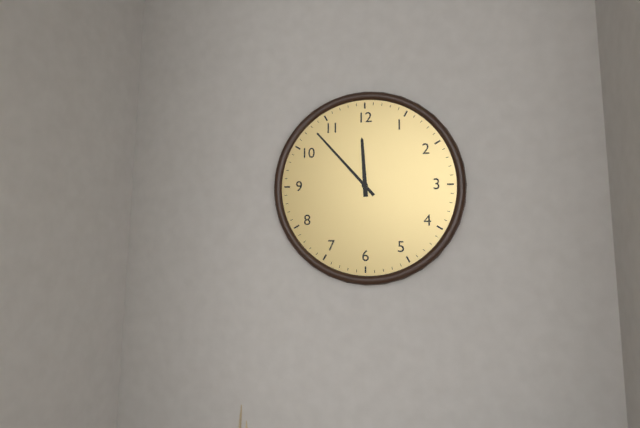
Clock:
11 h 53 min
